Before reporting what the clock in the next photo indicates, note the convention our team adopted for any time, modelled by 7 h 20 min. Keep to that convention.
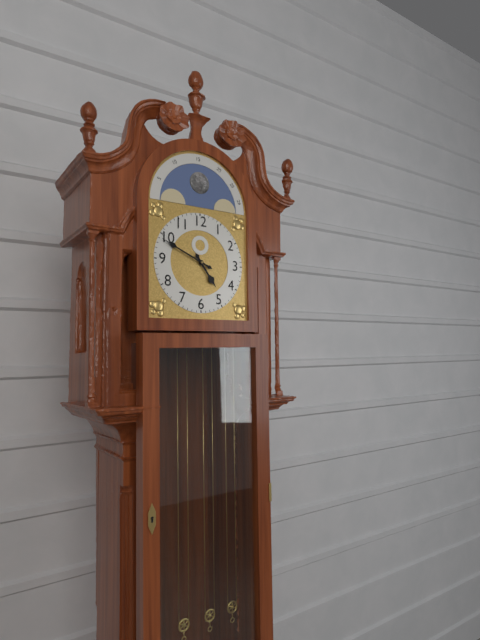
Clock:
4 h 49 min
